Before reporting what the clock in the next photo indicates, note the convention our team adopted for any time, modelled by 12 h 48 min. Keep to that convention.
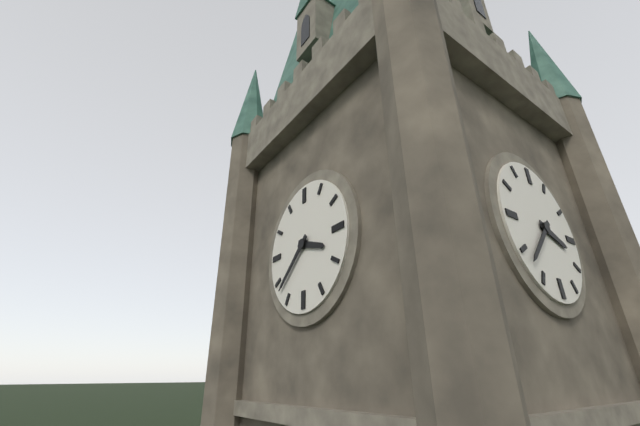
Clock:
3 h 38 min
